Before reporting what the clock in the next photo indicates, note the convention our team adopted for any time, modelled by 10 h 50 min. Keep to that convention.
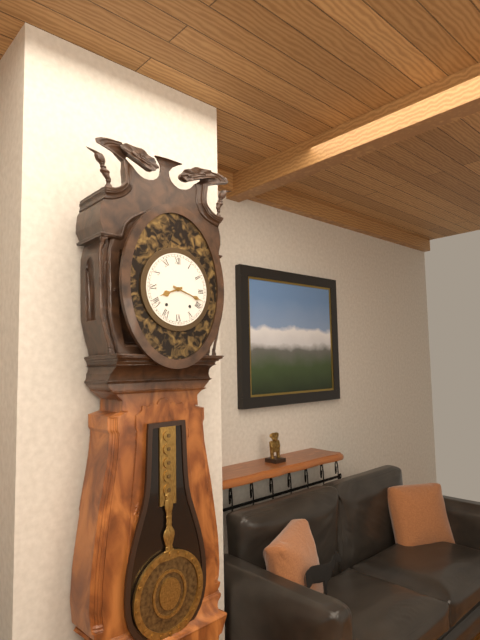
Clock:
8 h 18 min
